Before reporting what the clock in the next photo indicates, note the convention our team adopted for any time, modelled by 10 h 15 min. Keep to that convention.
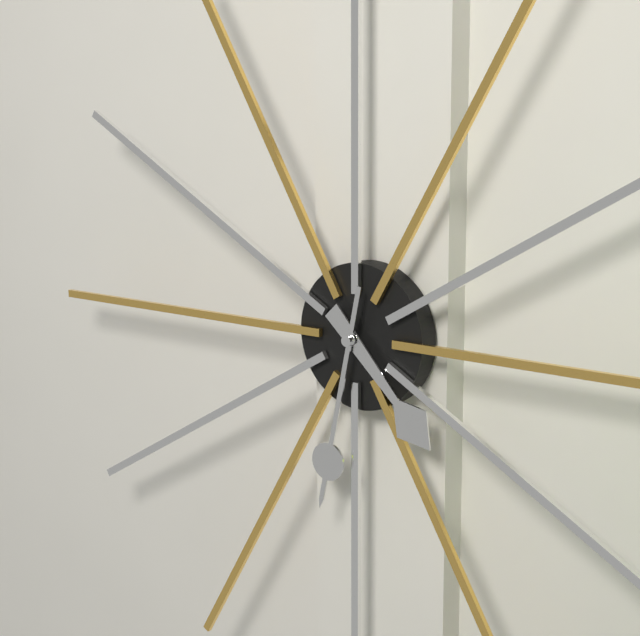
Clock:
4 h 32 min
